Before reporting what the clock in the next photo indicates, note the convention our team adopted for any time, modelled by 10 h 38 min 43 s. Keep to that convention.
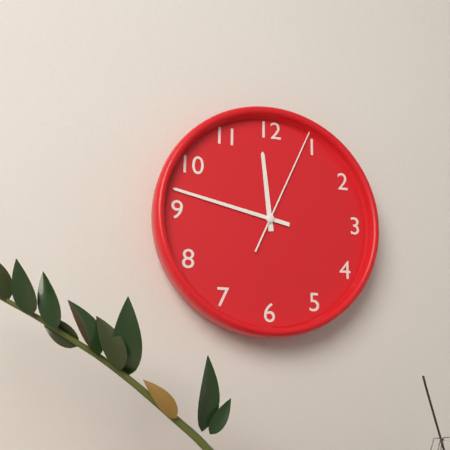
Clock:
11 h 47 min 04 s
